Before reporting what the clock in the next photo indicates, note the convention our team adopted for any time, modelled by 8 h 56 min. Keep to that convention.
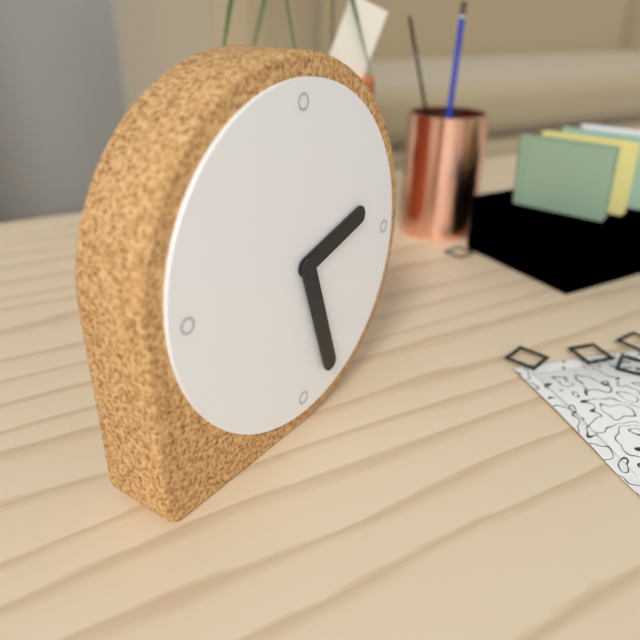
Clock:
2 h 27 min
